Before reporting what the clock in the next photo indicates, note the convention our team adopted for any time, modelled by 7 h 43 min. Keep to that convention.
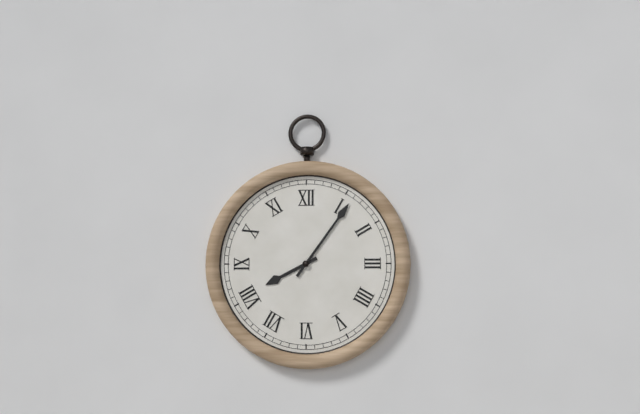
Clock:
8 h 06 min
